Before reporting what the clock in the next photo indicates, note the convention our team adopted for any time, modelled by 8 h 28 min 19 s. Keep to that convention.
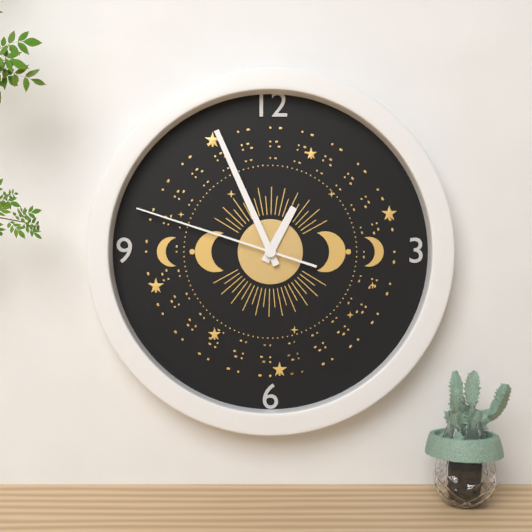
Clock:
12 h 56 min 48 s
